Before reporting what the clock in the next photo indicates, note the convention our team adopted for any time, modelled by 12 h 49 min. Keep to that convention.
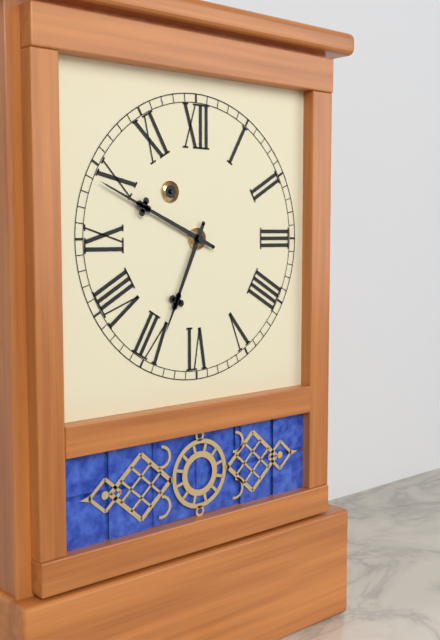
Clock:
6 h 49 min
